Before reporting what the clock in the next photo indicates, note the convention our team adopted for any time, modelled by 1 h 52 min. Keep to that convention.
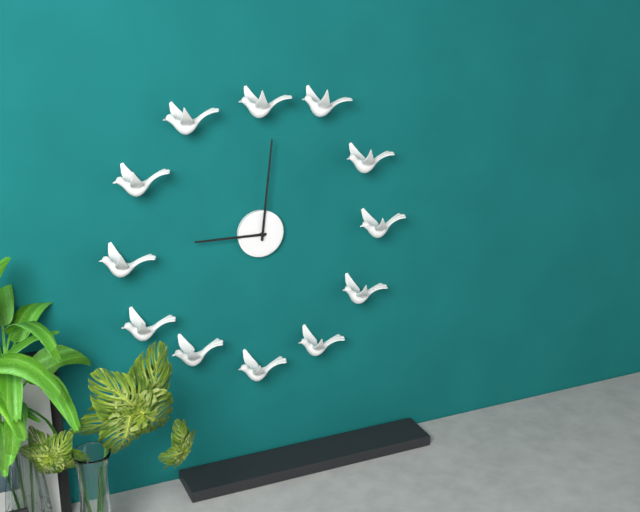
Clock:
9 h 01 min
